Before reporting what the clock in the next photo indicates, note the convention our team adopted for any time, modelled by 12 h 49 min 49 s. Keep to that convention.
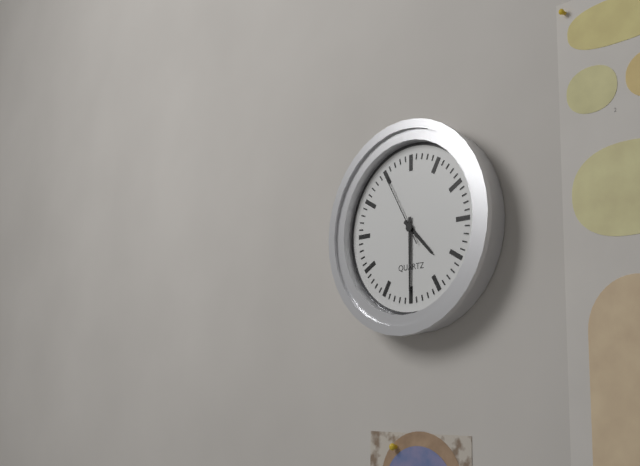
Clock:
4 h 30 min 55 s
